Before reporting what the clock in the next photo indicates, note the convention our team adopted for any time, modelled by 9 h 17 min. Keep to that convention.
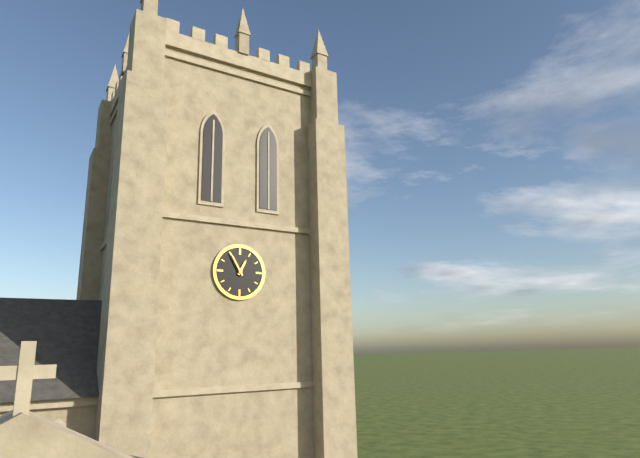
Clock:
12 h 55 min
